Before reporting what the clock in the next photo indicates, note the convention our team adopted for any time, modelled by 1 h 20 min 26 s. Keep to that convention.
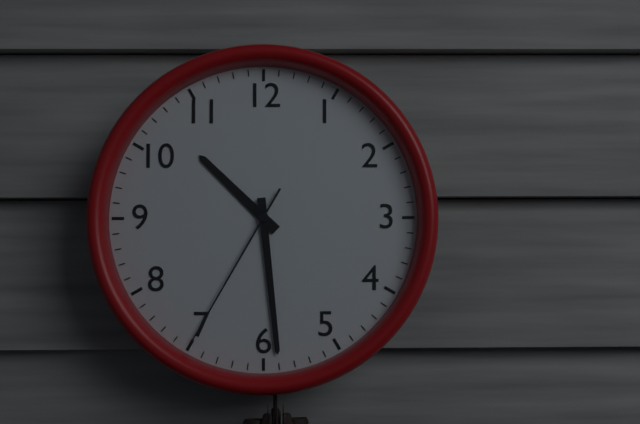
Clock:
10 h 29 min 35 s
